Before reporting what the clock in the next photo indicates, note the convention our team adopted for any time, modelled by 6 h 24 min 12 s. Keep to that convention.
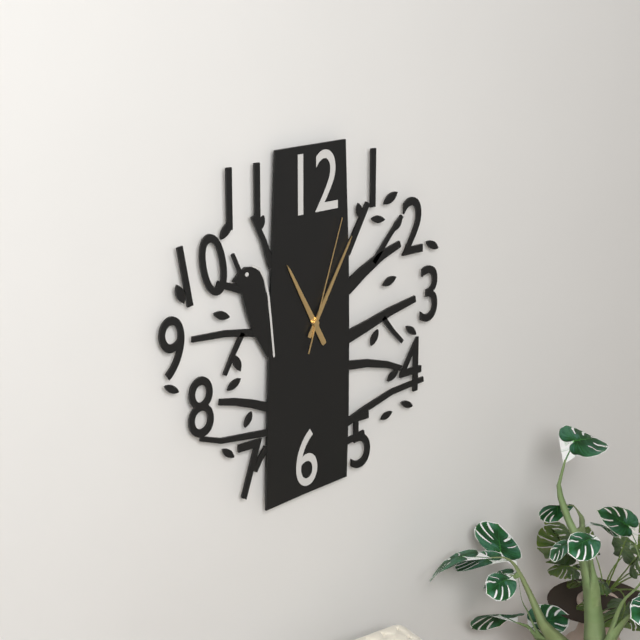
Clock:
11 h 05 min 03 s
